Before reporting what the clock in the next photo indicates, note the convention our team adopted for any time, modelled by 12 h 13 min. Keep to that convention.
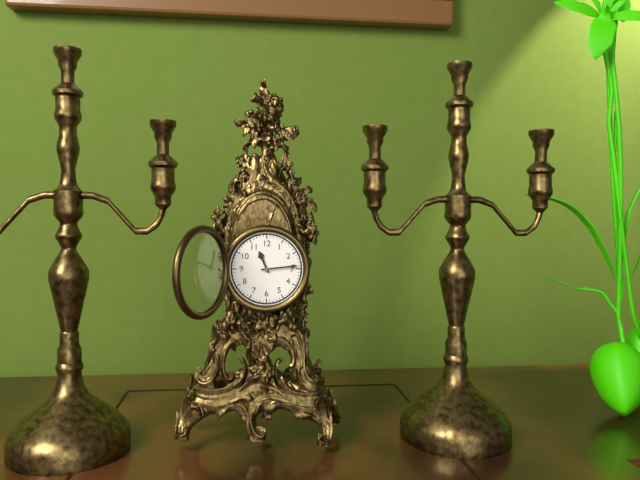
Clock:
11 h 14 min
